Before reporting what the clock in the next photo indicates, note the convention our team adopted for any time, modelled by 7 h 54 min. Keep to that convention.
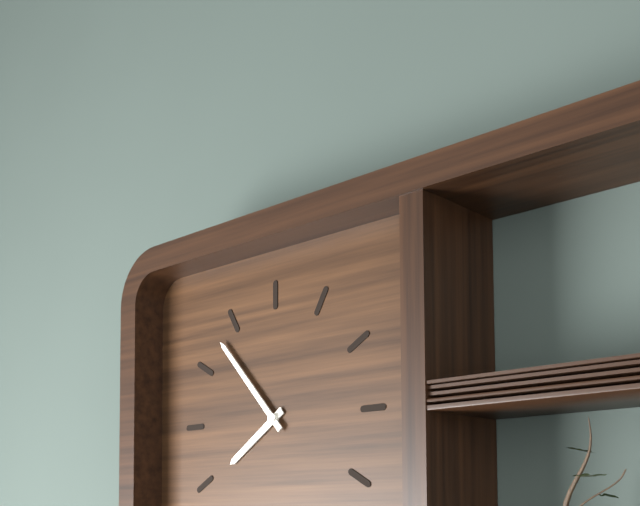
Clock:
7 h 53 min
